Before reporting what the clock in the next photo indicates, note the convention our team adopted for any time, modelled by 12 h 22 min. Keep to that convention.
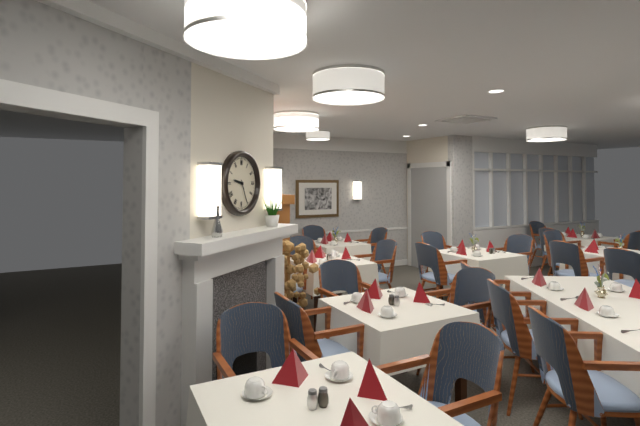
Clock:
9 h 26 min
